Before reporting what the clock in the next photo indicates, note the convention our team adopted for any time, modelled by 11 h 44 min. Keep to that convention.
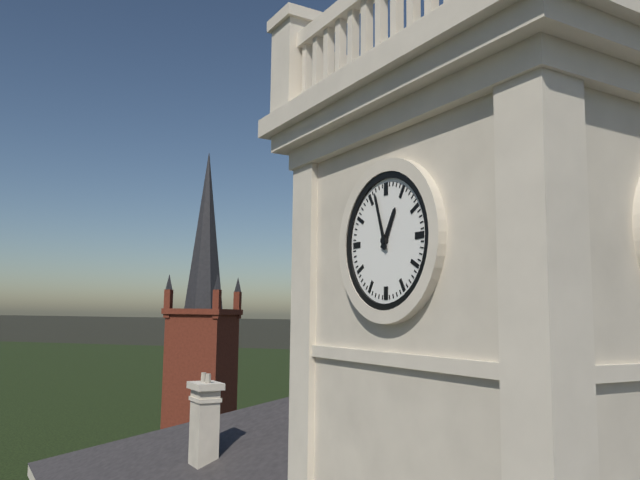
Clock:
12 h 57 min
